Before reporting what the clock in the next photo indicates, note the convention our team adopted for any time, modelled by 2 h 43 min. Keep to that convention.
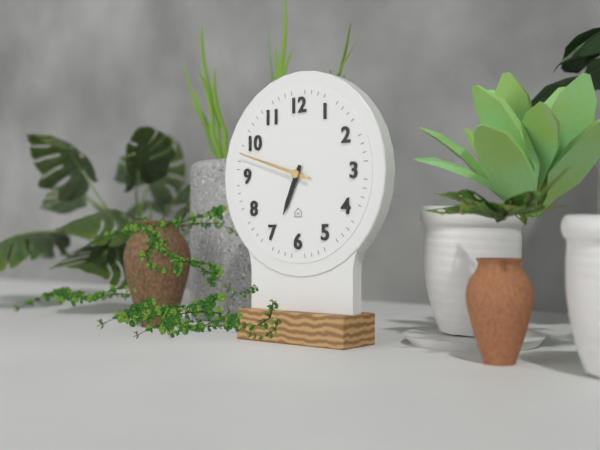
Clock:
6 h 48 min
